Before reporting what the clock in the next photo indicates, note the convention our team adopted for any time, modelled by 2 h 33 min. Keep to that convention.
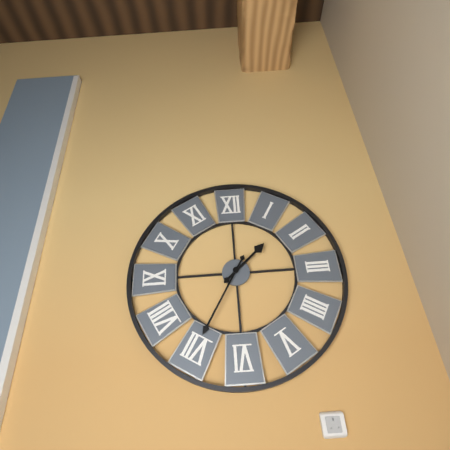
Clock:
1 h 35 min
